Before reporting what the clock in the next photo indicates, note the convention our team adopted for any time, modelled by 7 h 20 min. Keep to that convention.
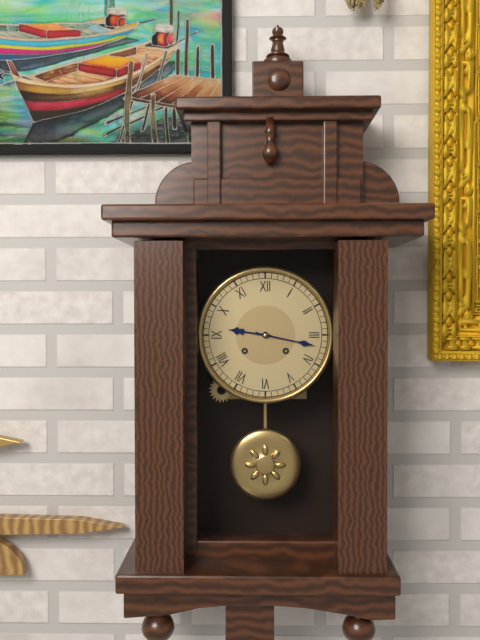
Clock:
9 h 17 min
